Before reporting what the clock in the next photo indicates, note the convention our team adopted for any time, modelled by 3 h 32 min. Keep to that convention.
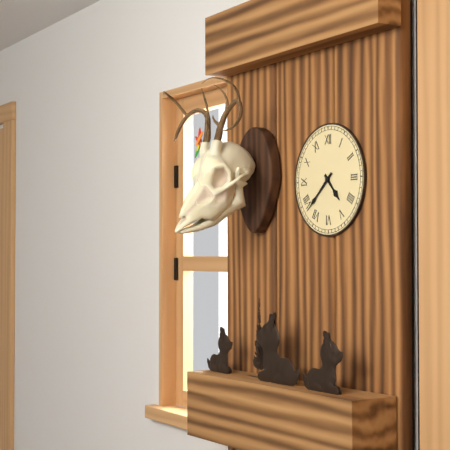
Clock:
4 h 38 min
